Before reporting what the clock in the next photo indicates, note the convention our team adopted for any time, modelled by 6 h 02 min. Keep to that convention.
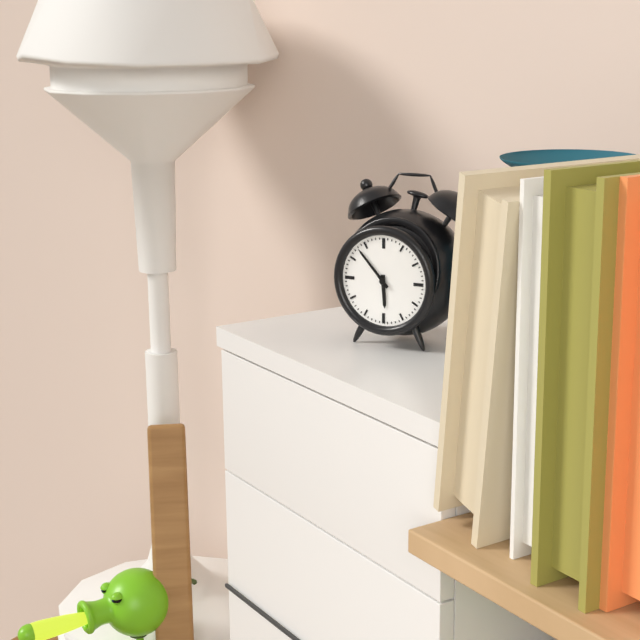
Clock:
5 h 53 min
